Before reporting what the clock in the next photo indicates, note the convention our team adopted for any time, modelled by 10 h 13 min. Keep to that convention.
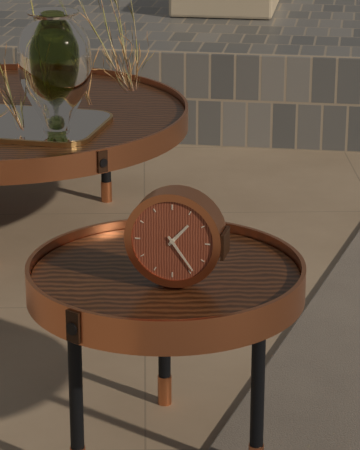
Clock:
1 h 24 min
